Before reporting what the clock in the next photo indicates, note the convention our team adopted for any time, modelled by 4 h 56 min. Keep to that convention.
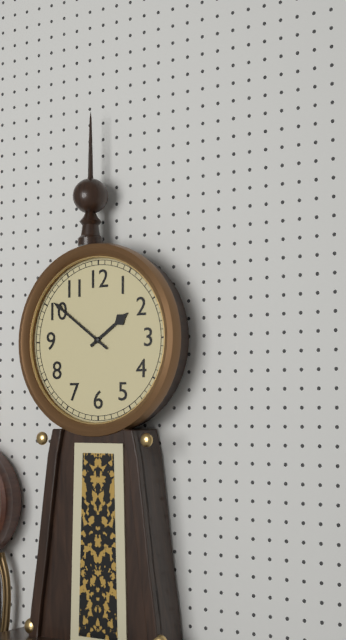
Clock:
1 h 51 min
